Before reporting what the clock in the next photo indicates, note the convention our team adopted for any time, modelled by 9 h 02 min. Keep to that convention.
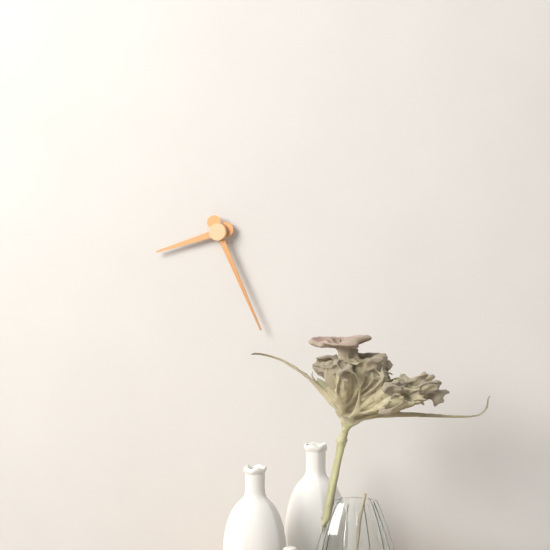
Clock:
8 h 26 min
